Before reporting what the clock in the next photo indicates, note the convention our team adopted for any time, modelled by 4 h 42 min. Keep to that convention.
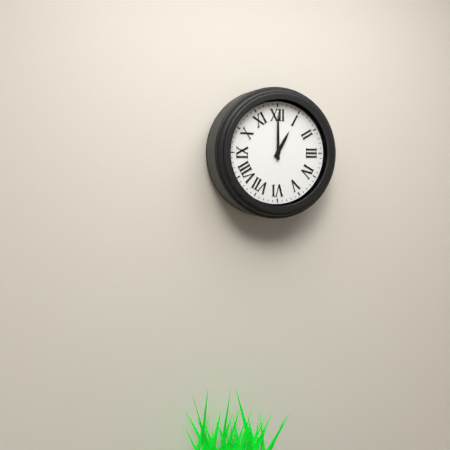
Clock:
1 h 00 min
